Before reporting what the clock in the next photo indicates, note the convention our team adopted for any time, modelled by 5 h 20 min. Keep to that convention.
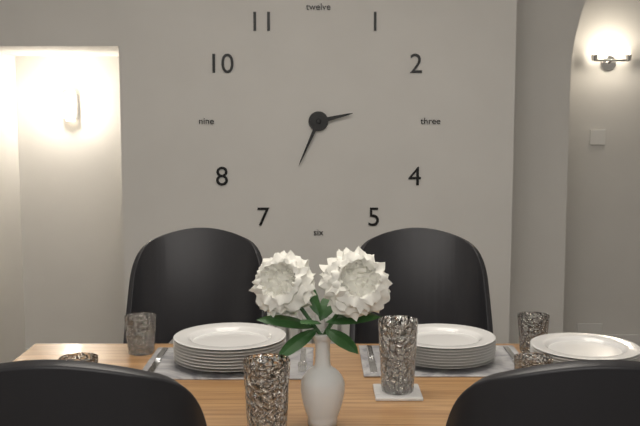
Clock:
2 h 34 min
